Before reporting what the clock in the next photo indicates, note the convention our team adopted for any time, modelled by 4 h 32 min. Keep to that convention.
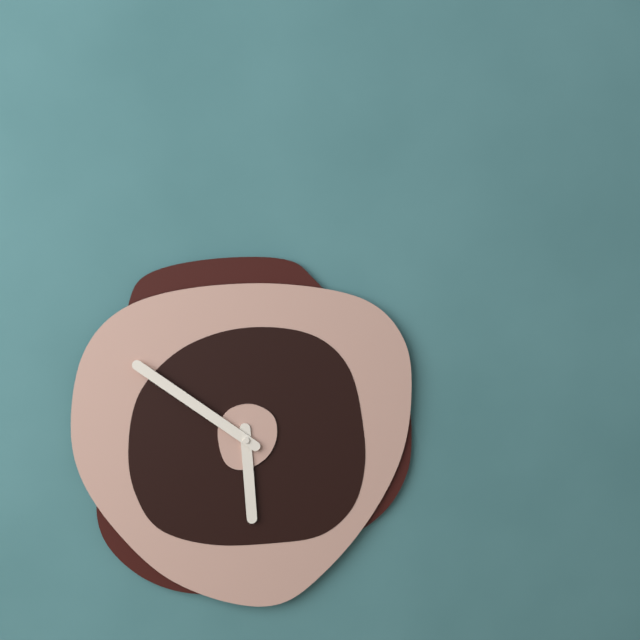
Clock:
5 h 51 min
